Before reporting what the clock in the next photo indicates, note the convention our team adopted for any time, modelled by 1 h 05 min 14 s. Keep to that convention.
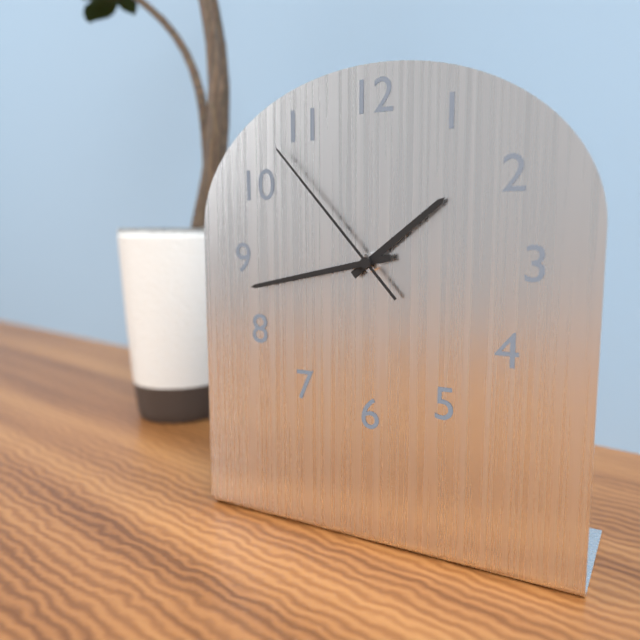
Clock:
1 h 43 min 53 s
